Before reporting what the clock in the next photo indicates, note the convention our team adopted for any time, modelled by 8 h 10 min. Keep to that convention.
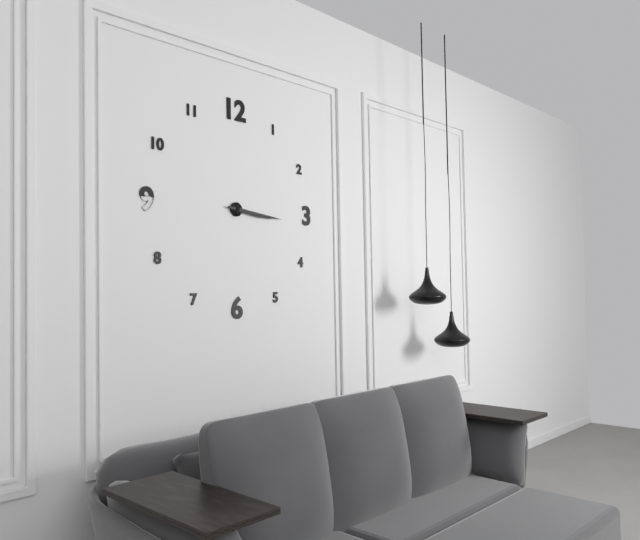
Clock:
3 h 16 min
